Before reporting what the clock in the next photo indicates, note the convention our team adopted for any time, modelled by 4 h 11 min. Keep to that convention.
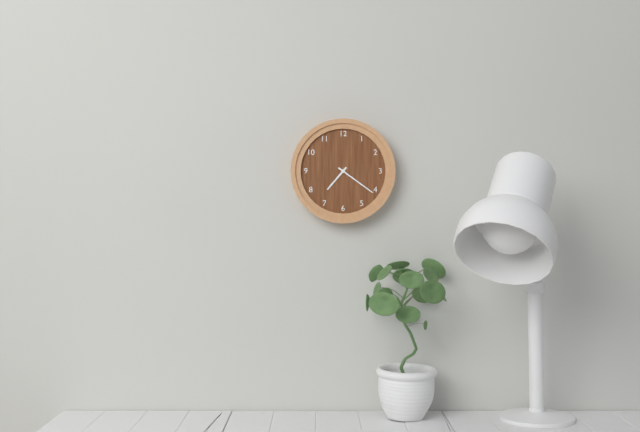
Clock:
7 h 21 min
